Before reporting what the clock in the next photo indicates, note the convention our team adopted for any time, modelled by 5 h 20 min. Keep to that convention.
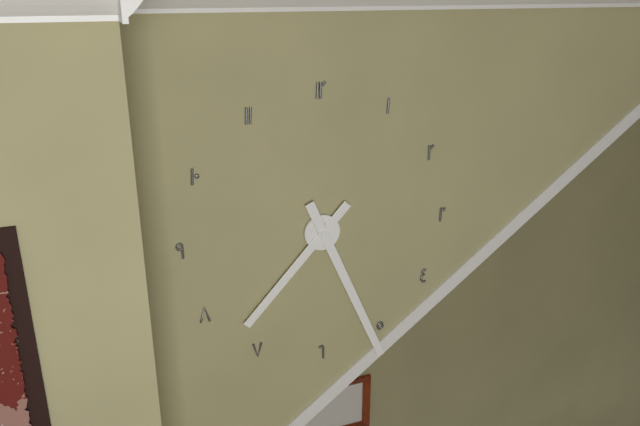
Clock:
7 h 26 min
